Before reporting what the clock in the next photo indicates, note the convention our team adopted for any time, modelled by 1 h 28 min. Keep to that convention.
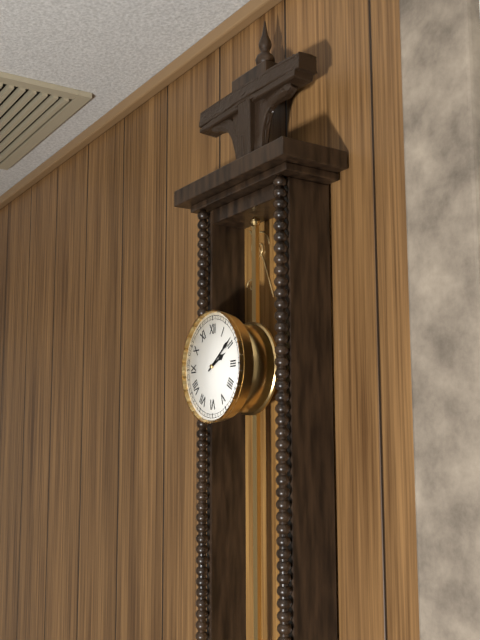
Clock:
2 h 09 min
